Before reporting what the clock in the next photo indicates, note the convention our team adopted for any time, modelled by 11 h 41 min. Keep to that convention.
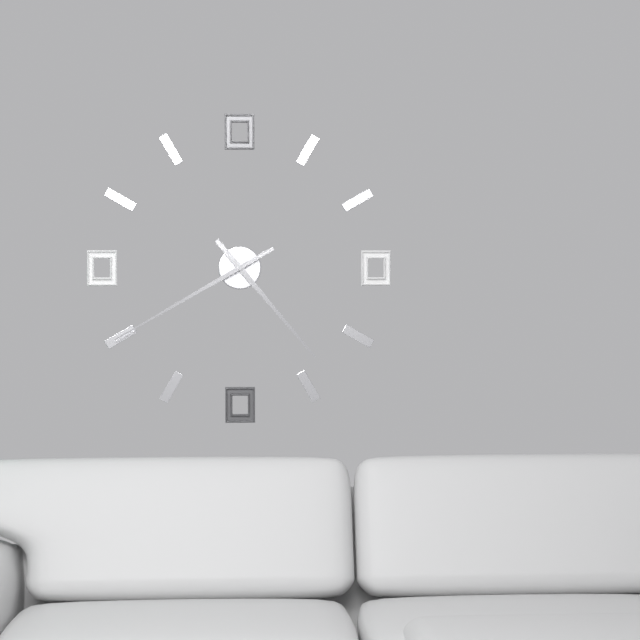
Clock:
4 h 40 min
